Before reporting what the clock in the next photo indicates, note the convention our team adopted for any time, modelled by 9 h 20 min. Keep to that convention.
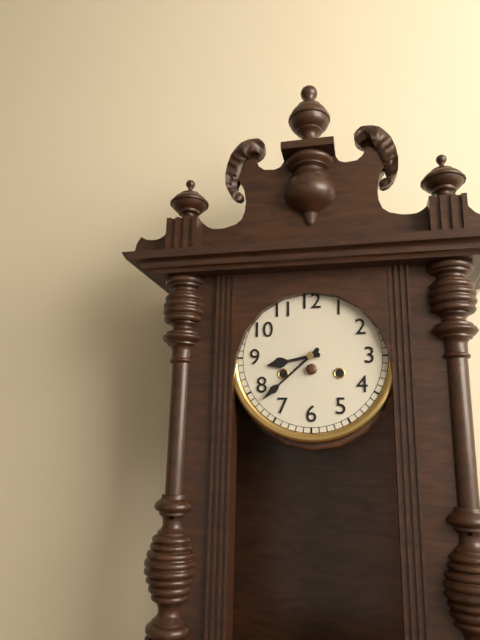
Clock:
8 h 38 min
